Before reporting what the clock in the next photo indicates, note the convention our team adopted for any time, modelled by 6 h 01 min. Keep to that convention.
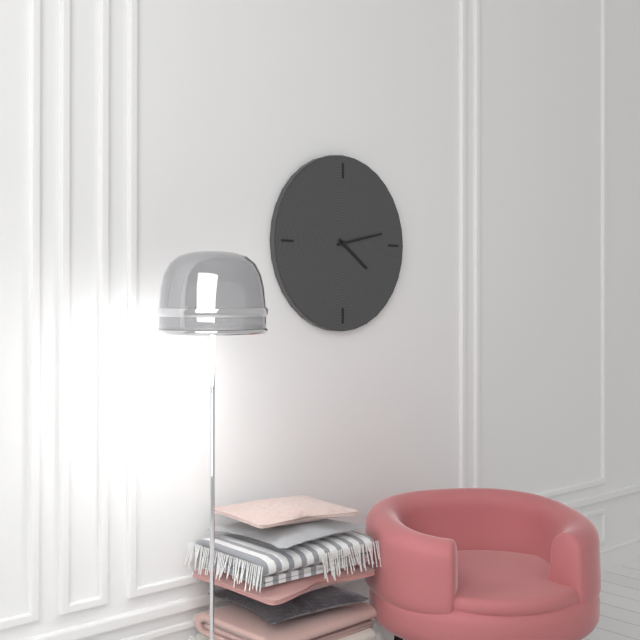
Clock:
4 h 13 min
